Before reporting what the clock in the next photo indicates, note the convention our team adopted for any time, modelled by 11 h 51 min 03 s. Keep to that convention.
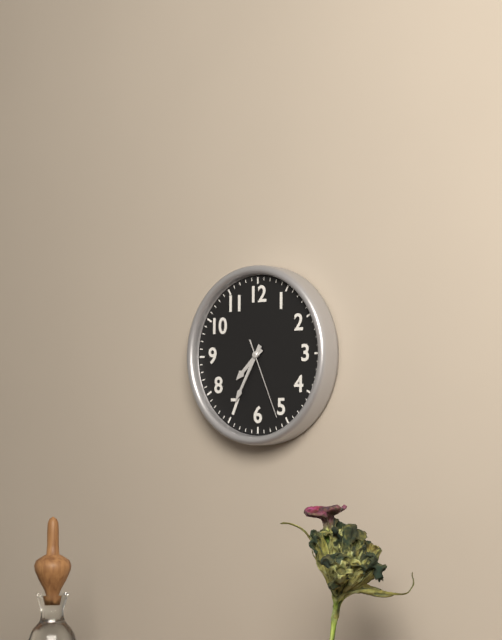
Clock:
7 h 35 min 26 s
